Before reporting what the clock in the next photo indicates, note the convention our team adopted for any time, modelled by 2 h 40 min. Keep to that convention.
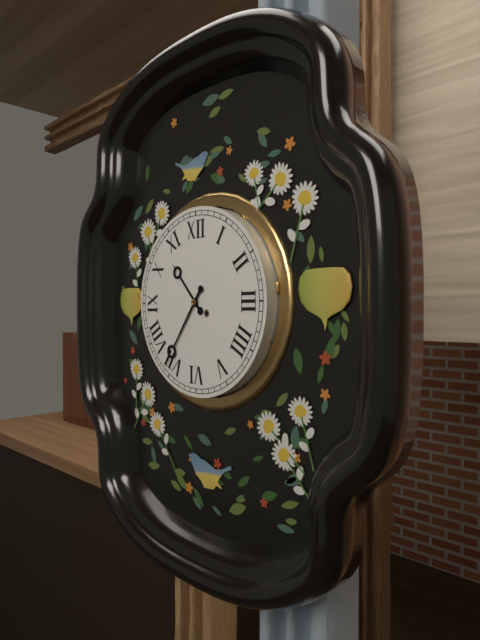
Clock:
10 h 36 min
